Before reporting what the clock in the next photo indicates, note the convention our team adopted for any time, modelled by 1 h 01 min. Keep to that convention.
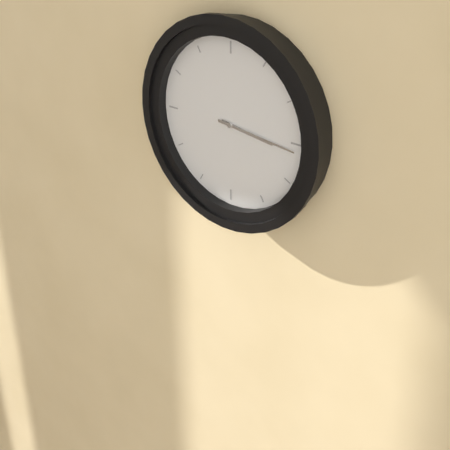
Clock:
3 h 16 min
